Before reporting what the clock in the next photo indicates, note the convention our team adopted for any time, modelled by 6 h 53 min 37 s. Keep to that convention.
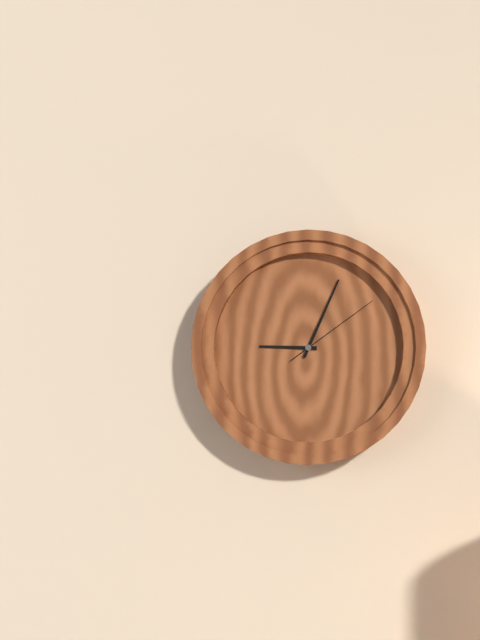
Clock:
9 h 04 min 09 s
